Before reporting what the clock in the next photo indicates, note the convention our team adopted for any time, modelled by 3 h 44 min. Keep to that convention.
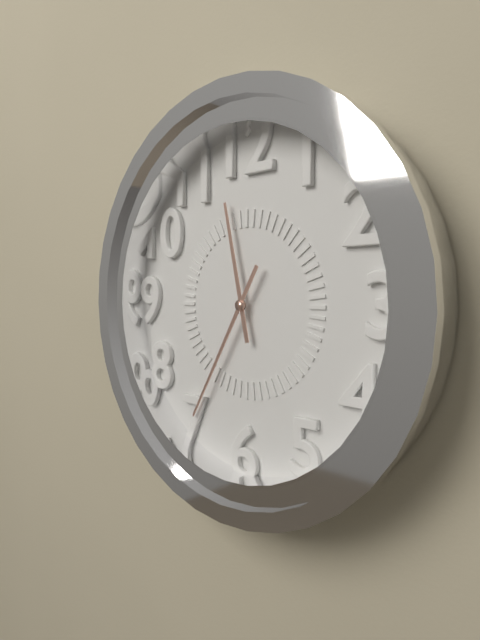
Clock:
11 h 35 min
